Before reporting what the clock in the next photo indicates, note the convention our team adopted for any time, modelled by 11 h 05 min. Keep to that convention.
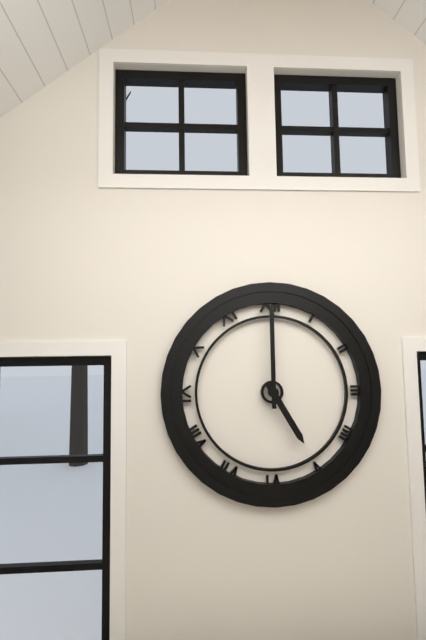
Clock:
5 h 00 min
